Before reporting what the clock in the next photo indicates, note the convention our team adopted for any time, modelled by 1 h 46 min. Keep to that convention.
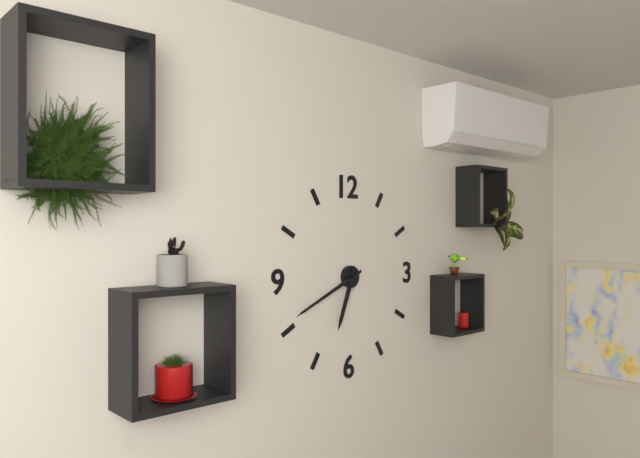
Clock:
6 h 41 min
